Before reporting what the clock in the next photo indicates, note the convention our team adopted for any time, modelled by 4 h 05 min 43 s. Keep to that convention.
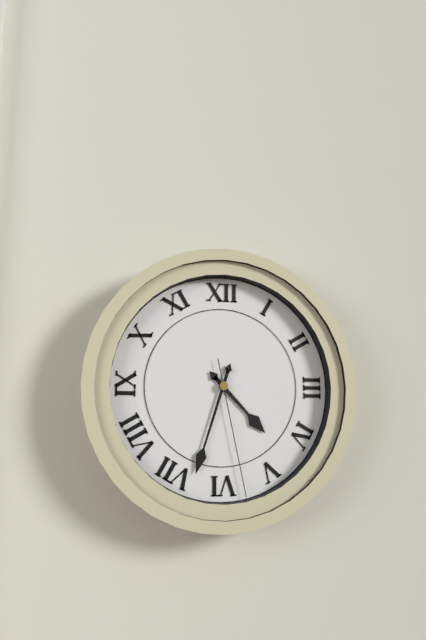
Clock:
4 h 33 min 28 s
